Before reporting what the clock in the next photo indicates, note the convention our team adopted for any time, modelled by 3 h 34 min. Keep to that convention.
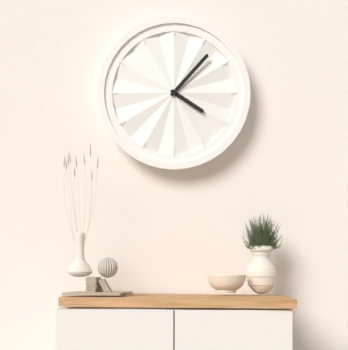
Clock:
4 h 07 min
